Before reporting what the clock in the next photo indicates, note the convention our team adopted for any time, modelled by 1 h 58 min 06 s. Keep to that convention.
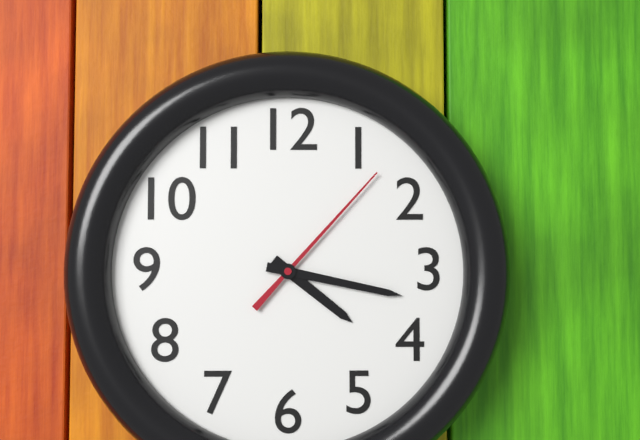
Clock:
4 h 17 min 07 s
